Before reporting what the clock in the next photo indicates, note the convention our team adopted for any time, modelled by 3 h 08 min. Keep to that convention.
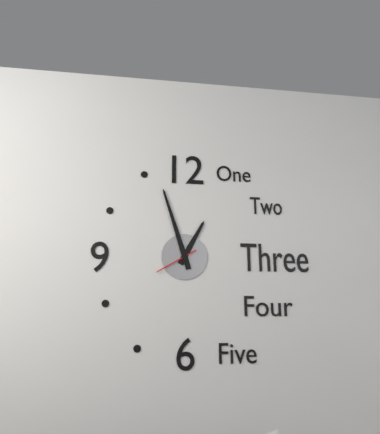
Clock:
12 h 57 min
